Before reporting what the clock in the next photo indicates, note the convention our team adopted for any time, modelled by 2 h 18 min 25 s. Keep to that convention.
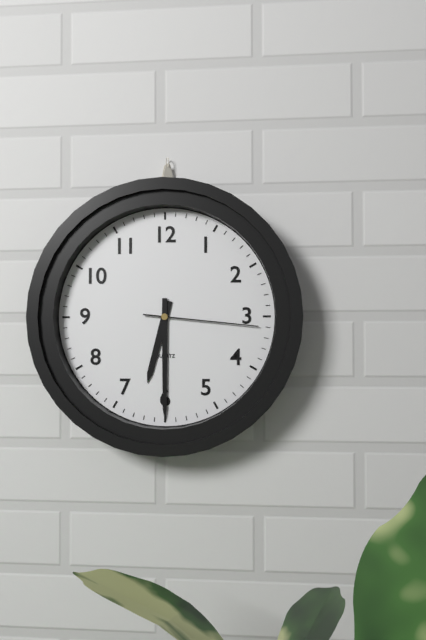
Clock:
6 h 30 min 16 s
